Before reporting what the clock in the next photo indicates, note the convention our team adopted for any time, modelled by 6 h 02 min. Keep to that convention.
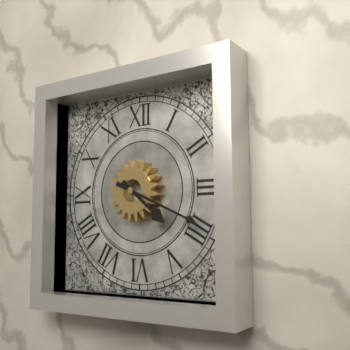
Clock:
4 h 19 min
